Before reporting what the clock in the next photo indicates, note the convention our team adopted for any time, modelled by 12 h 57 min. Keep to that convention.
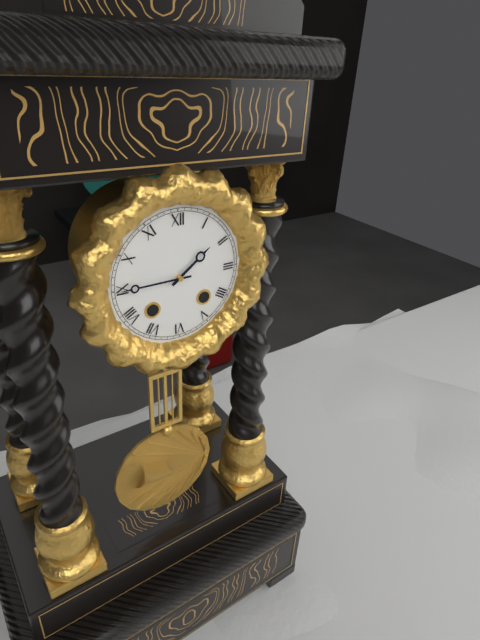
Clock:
1 h 45 min
